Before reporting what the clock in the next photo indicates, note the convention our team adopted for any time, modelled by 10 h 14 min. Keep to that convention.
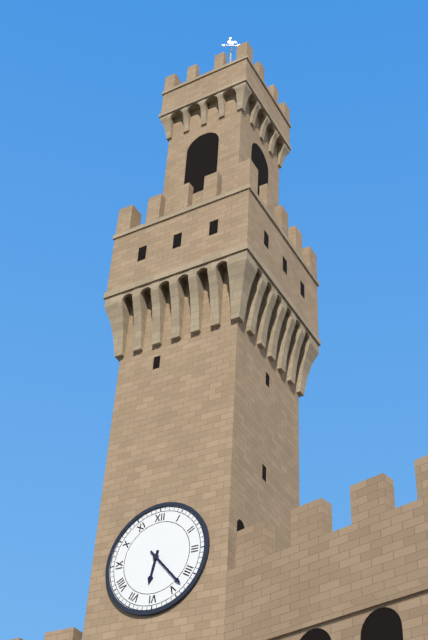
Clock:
6 h 23 min
